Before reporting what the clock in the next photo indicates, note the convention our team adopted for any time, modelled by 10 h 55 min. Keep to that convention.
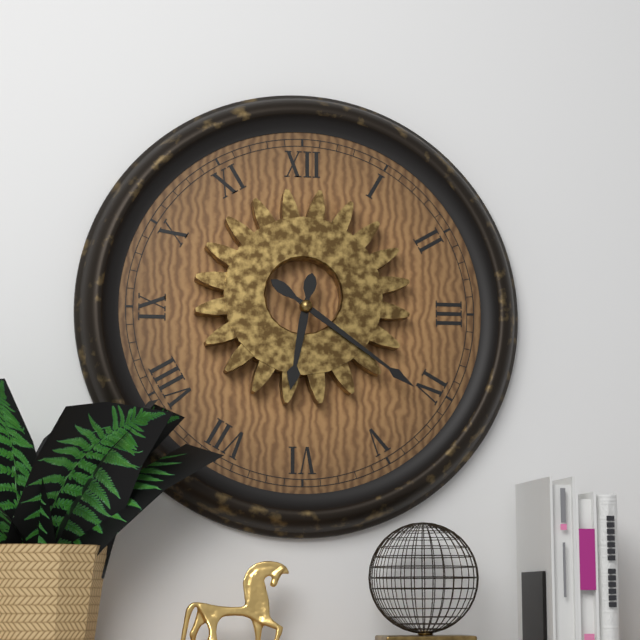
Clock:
6 h 21 min
